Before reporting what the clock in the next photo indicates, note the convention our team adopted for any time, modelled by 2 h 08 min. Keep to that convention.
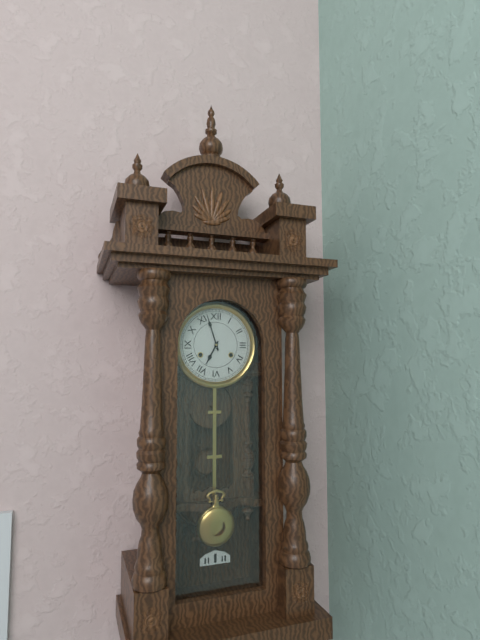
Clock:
6 h 57 min
